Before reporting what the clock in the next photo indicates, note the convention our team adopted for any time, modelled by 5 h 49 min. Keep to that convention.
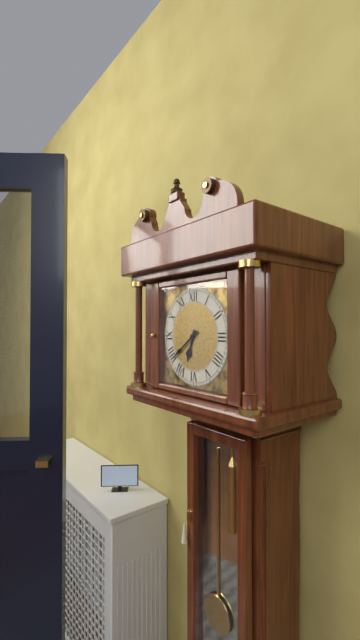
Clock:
6 h 39 min
